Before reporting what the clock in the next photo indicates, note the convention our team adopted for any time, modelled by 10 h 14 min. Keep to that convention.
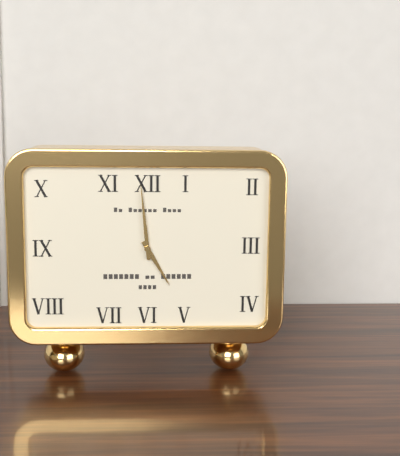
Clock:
4 h 59 min
